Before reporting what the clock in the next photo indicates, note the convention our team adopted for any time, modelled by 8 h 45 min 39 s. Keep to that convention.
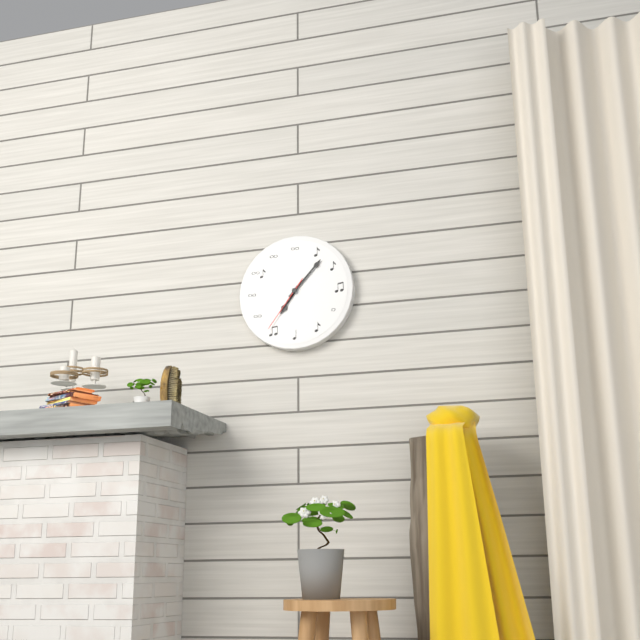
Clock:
7 h 07 min 36 s
